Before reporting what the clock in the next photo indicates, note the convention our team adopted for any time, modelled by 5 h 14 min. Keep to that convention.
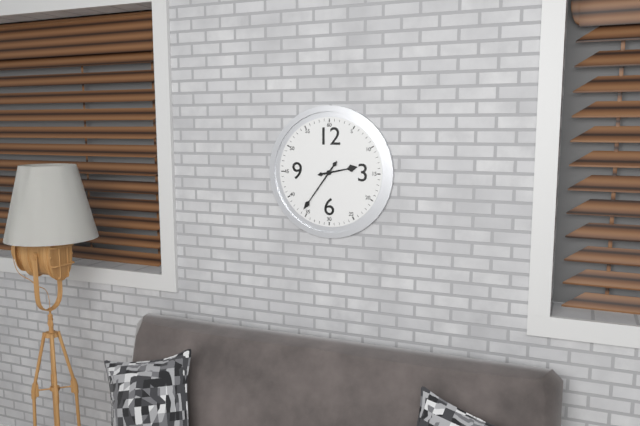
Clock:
2 h 36 min
